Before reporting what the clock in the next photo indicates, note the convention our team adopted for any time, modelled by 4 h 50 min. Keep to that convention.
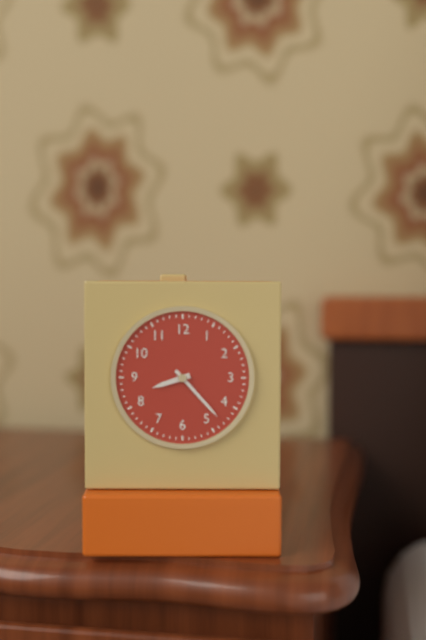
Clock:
8 h 23 min
